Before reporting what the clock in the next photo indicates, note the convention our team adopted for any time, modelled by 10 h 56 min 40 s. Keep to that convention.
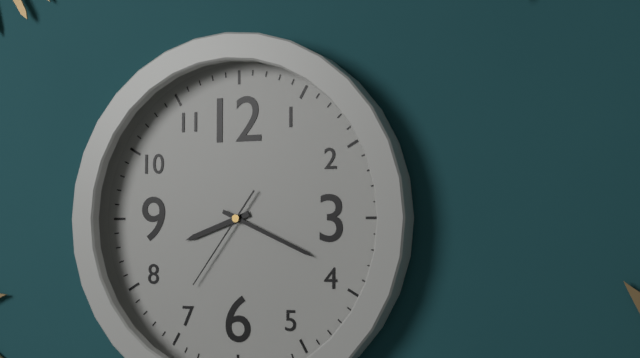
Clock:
8 h 19 min 36 s
